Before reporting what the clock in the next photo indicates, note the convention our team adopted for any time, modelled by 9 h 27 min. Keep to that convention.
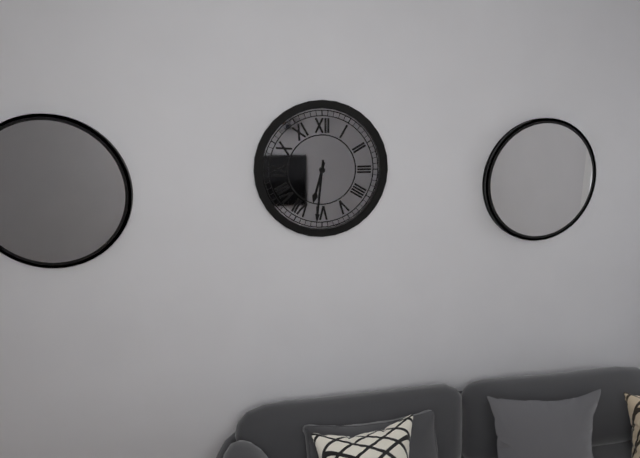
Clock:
6 h 31 min
